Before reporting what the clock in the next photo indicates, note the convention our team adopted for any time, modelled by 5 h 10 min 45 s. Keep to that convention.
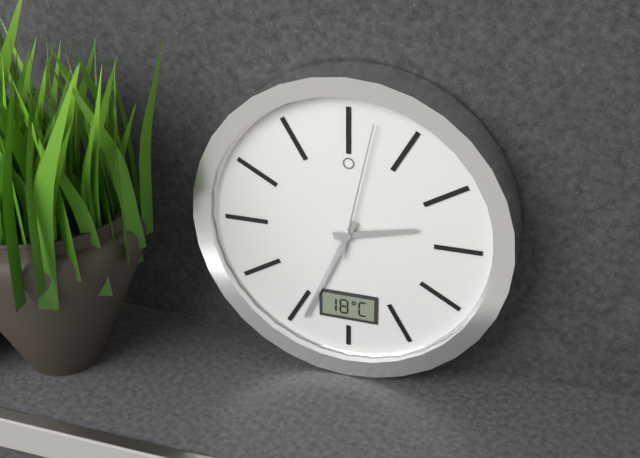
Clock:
2 h 34 min 02 s
